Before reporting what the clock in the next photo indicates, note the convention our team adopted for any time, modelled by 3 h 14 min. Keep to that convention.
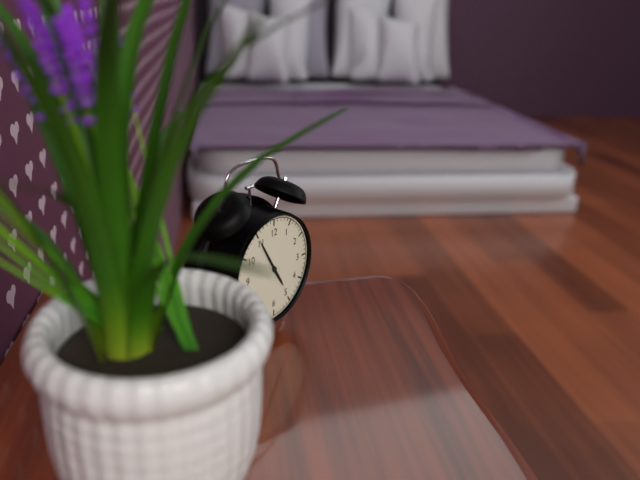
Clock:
4 h 55 min
